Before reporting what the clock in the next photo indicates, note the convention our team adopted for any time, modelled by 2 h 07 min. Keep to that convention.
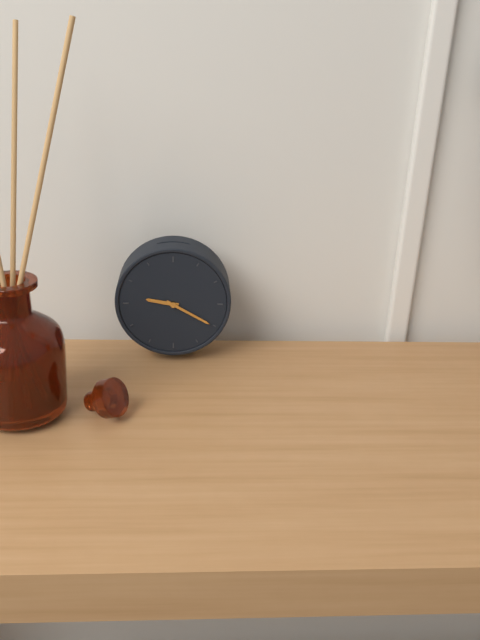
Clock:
9 h 20 min
